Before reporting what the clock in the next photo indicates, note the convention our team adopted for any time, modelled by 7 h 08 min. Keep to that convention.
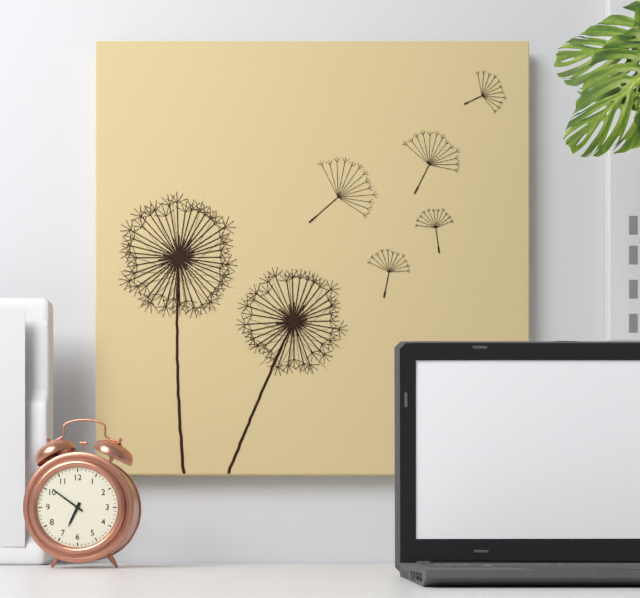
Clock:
6 h 51 min
